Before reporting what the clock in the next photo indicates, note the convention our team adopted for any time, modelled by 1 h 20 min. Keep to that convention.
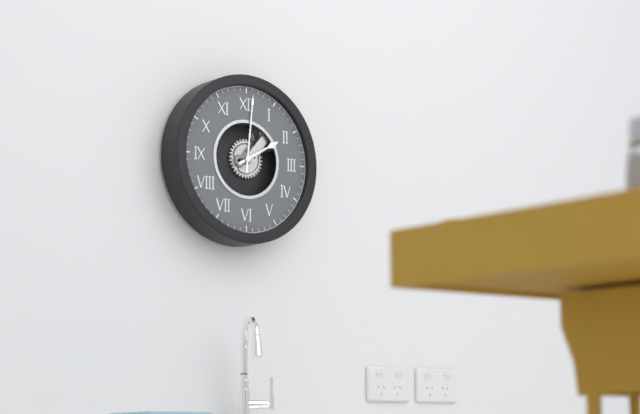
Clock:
2 h 01 min
